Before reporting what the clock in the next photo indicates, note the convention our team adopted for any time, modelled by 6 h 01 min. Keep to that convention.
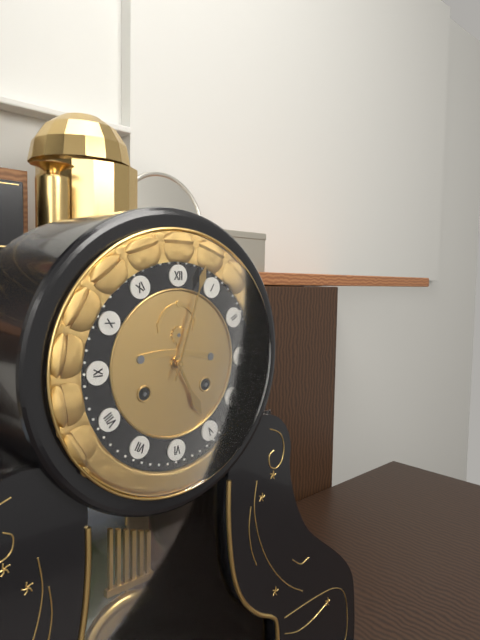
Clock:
5 h 03 min
